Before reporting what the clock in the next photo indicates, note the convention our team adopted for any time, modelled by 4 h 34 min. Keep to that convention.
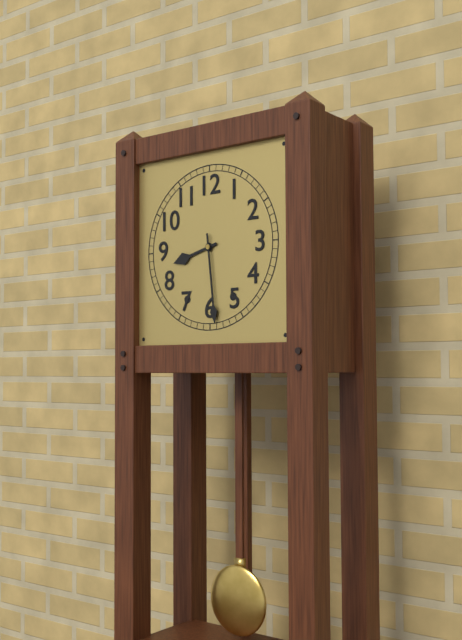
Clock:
8 h 29 min
